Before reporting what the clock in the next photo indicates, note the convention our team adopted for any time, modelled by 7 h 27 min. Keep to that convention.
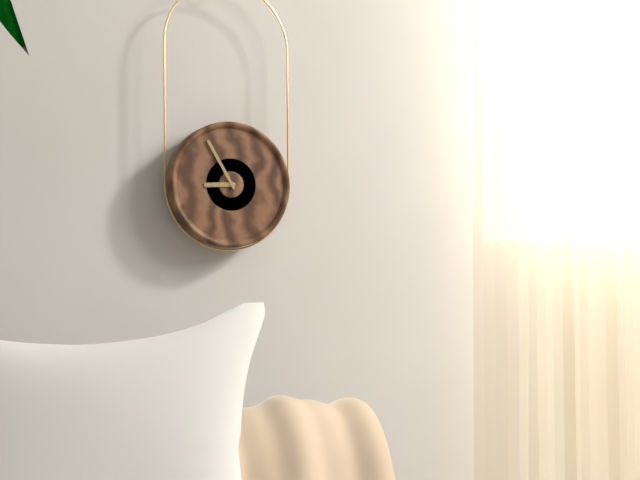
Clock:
8 h 55 min
